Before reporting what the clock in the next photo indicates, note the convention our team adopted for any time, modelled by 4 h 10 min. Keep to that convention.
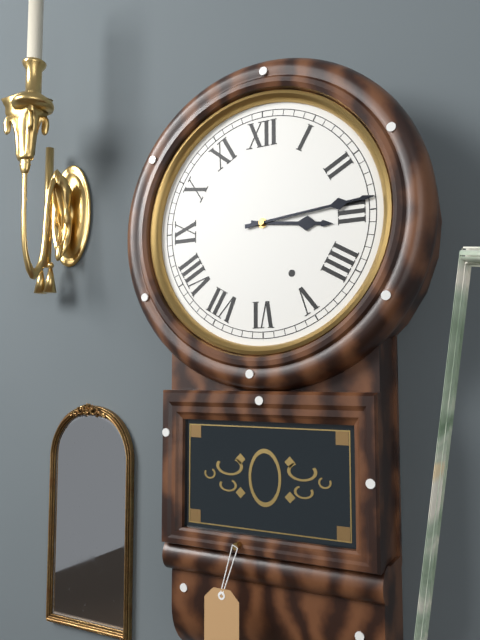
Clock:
3 h 14 min
